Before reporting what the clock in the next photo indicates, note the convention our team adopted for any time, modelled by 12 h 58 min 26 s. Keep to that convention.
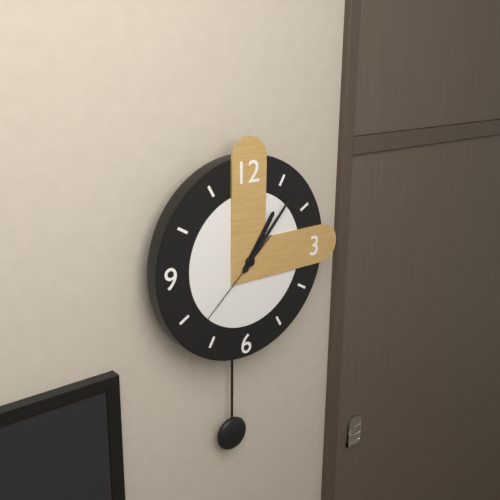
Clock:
1 h 07 min 38 s
